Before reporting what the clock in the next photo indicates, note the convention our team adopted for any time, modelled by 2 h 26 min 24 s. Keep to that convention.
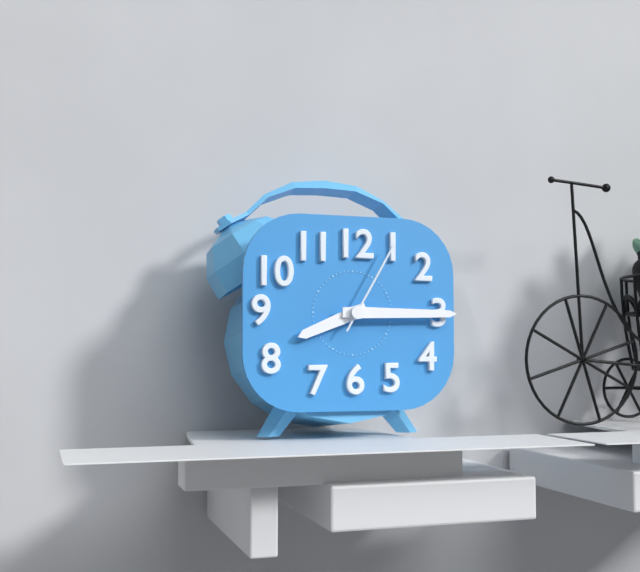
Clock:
8 h 15 min 05 s
